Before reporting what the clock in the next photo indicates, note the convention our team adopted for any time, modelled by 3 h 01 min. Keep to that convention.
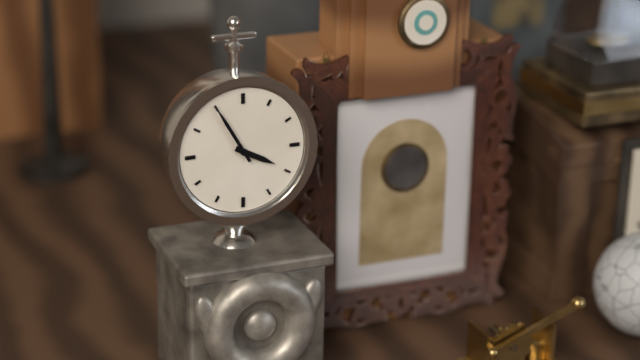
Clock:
3 h 55 min
